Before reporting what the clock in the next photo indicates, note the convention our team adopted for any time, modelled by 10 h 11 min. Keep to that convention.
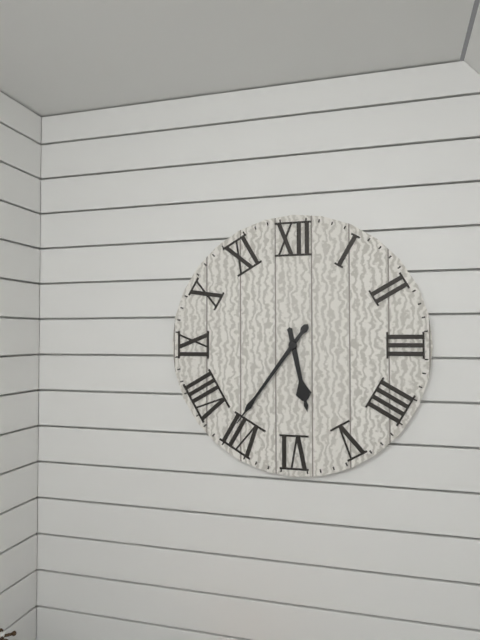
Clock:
5 h 36 min
